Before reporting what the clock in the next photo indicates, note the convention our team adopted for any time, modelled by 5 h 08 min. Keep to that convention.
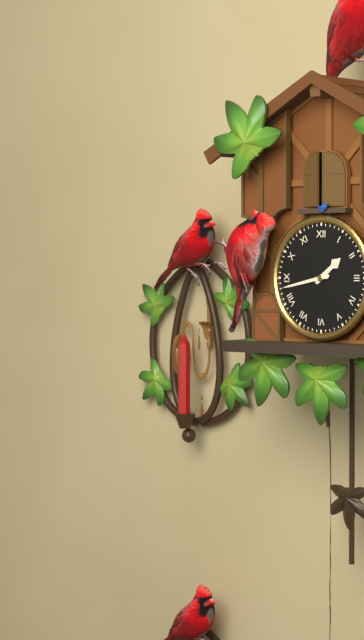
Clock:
1 h 43 min
